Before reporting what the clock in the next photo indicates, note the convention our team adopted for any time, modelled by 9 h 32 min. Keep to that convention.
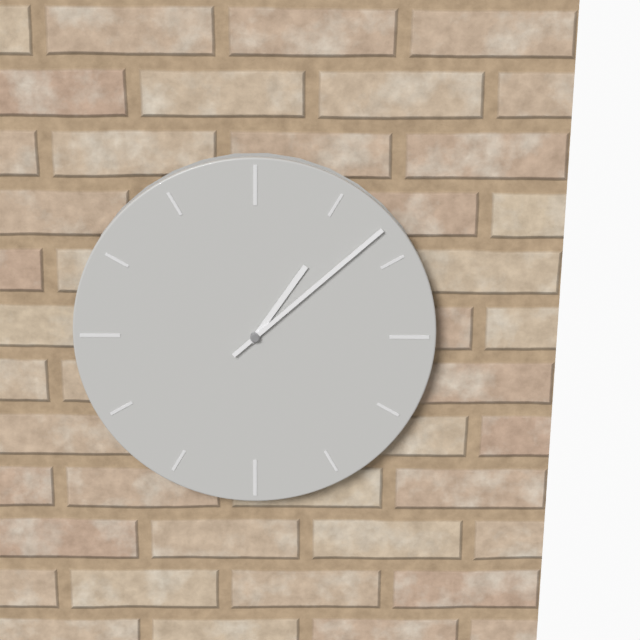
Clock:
1 h 08 min
